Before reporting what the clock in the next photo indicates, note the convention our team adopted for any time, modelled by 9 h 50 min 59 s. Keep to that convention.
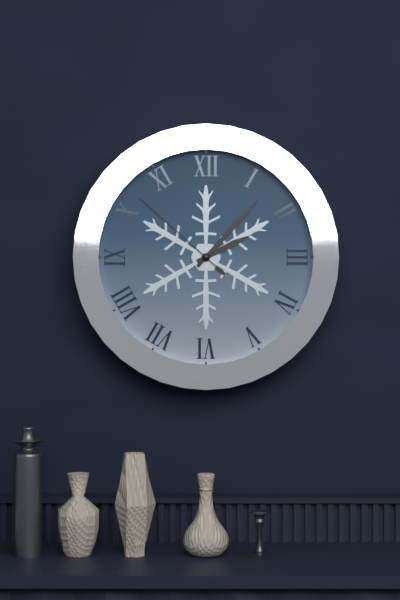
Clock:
2 h 07 min 52 s
